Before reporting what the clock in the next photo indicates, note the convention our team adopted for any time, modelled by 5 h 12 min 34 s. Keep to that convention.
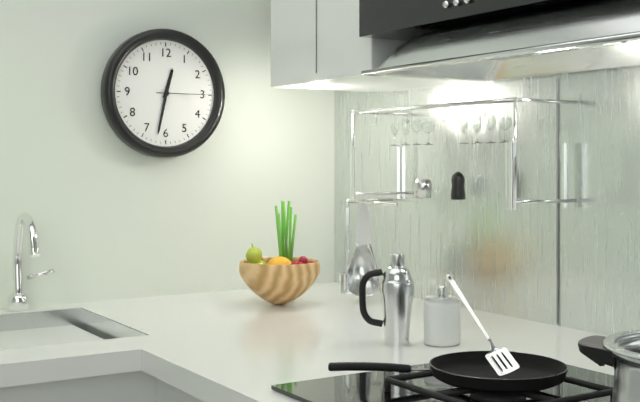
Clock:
12 h 32 min 15 s
